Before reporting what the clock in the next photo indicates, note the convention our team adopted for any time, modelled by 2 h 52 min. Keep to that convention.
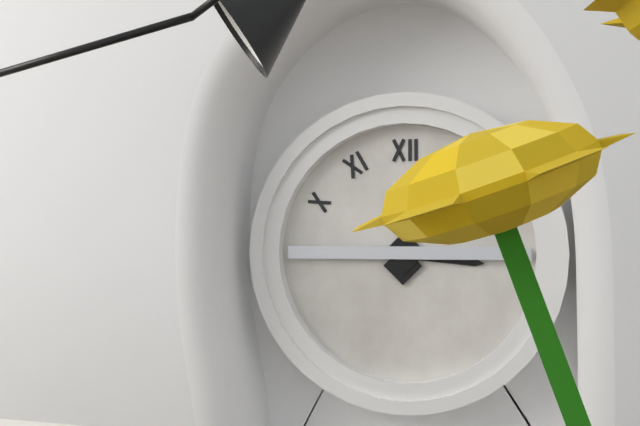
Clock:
3 h 15 min
